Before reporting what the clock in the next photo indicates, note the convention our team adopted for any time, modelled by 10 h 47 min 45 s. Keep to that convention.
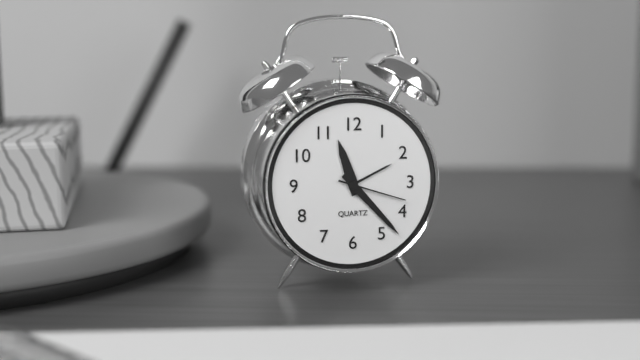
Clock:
11 h 23 min 18 s
